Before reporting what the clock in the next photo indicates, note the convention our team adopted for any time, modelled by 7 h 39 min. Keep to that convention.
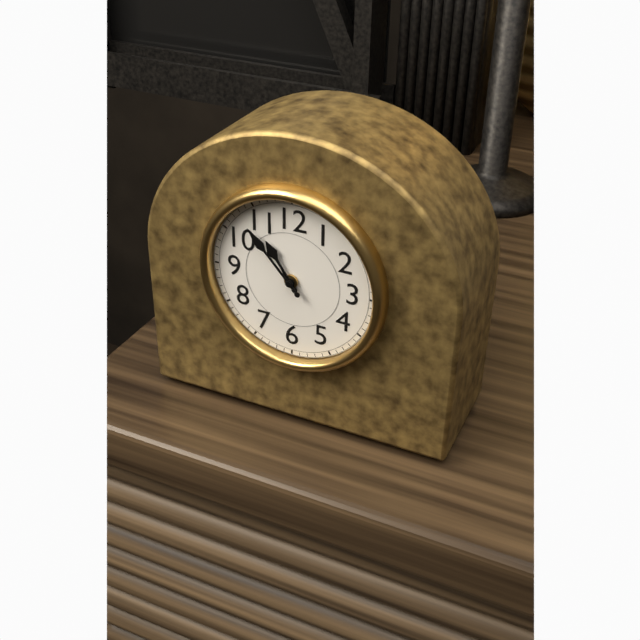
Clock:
10 h 53 min
